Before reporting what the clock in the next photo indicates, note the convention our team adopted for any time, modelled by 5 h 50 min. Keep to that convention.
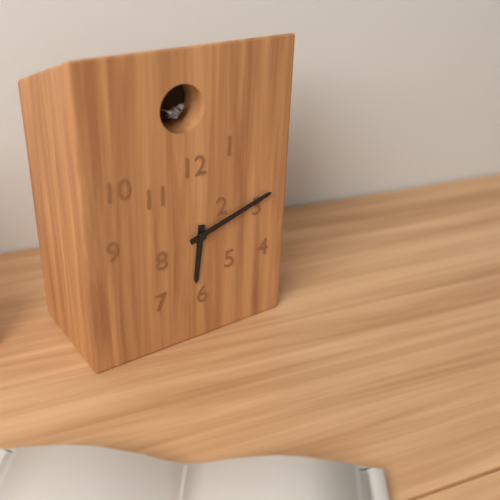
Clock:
6 h 12 min
